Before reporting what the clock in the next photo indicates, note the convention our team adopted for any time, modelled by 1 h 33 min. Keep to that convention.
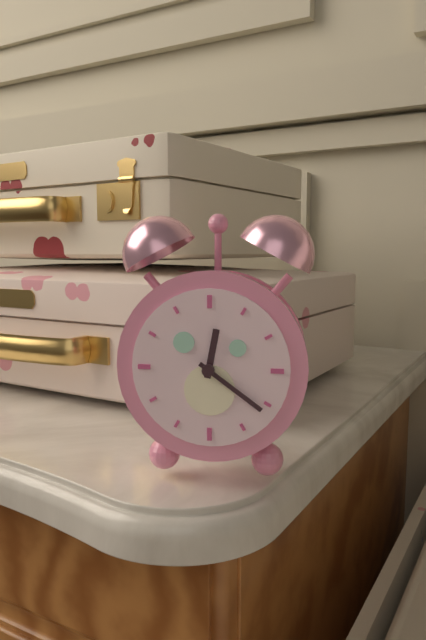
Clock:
12 h 21 min
